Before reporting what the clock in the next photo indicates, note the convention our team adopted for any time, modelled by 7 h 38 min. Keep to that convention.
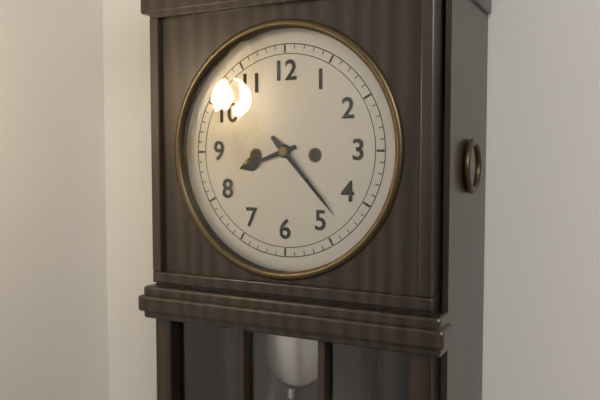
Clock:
8 h 23 min
